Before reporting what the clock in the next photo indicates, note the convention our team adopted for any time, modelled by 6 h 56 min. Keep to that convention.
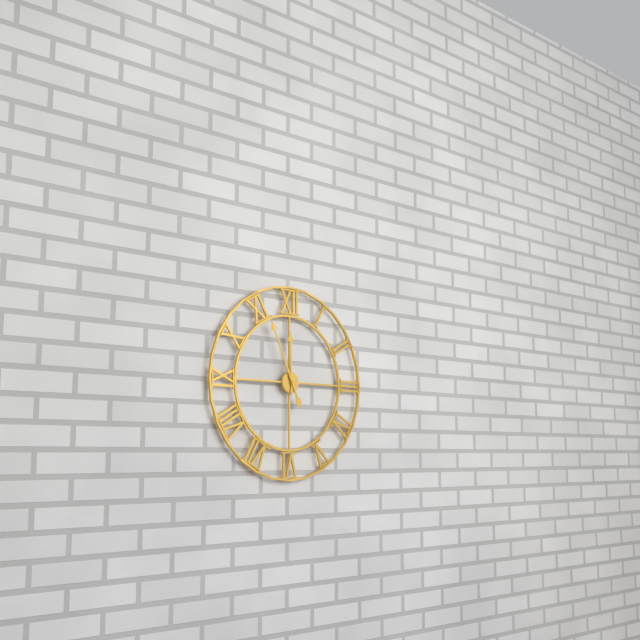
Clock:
11 h 56 min
